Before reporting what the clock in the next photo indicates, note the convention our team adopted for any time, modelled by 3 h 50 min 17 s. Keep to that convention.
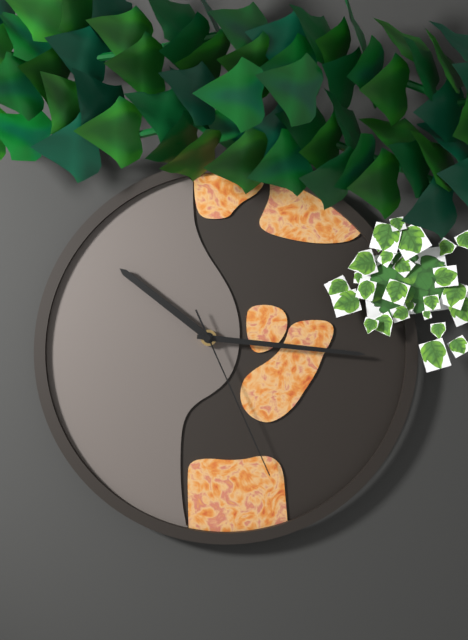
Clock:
10 h 16 min 26 s
